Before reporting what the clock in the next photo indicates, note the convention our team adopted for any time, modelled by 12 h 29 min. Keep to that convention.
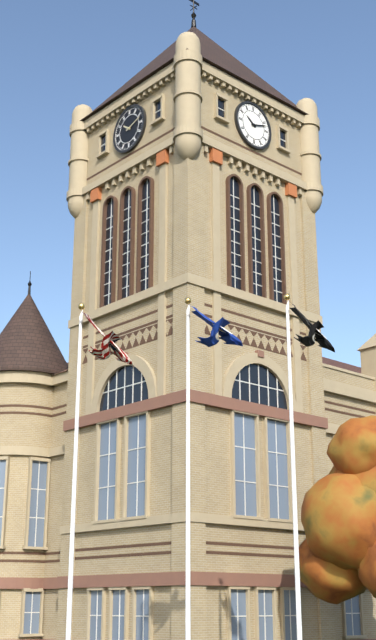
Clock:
10 h 12 min
